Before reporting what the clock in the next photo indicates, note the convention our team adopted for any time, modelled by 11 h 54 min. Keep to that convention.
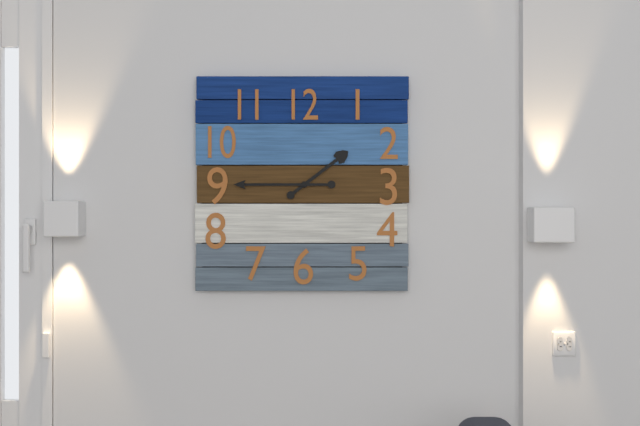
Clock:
1 h 45 min
